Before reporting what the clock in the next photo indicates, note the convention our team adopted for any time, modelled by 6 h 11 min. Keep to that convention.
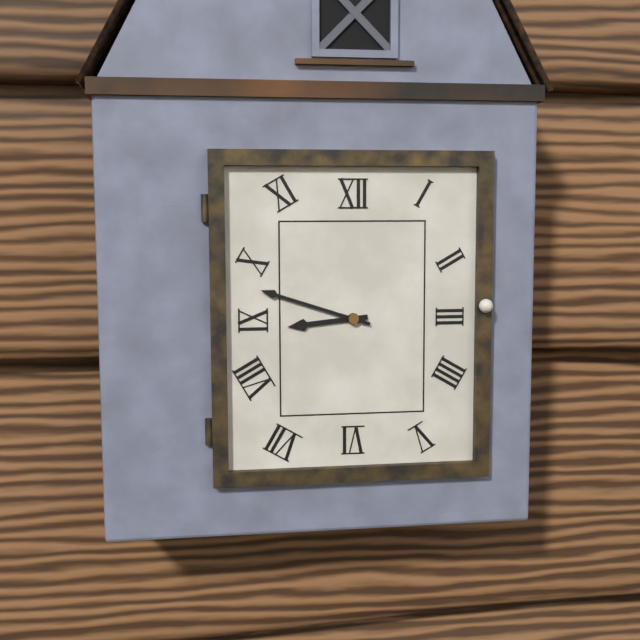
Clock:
8 h 48 min
